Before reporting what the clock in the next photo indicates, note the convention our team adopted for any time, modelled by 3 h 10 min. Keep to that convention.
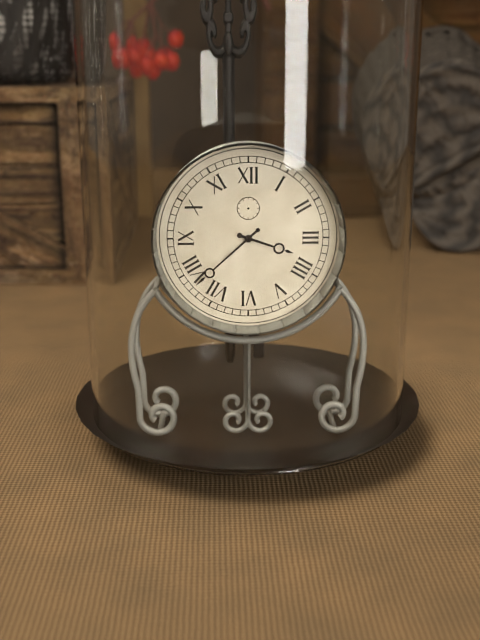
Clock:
3 h 38 min
